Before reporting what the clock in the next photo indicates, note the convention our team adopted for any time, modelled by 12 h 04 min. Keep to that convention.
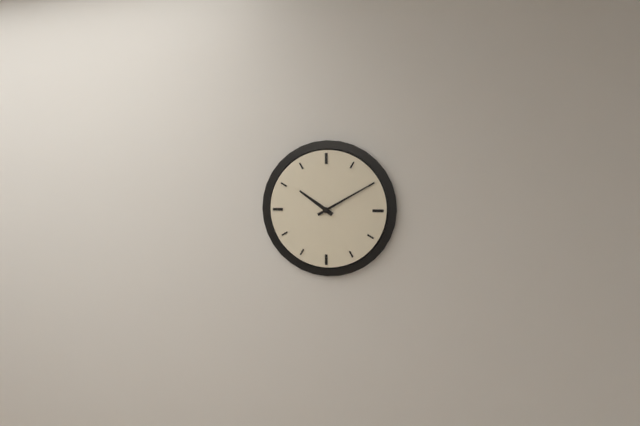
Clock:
10 h 10 min
